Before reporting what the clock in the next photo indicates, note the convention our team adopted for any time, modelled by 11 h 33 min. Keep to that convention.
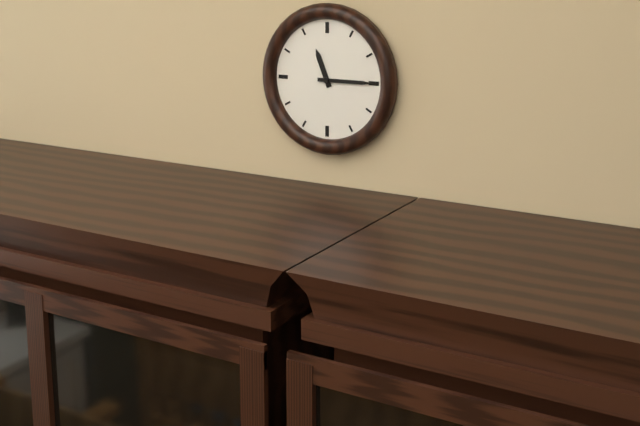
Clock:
11 h 15 min
